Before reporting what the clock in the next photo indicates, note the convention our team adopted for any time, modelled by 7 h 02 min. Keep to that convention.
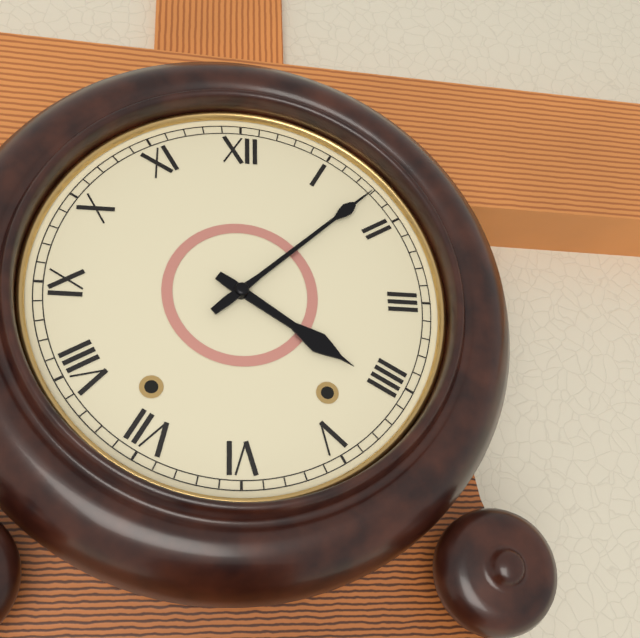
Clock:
4 h 08 min
